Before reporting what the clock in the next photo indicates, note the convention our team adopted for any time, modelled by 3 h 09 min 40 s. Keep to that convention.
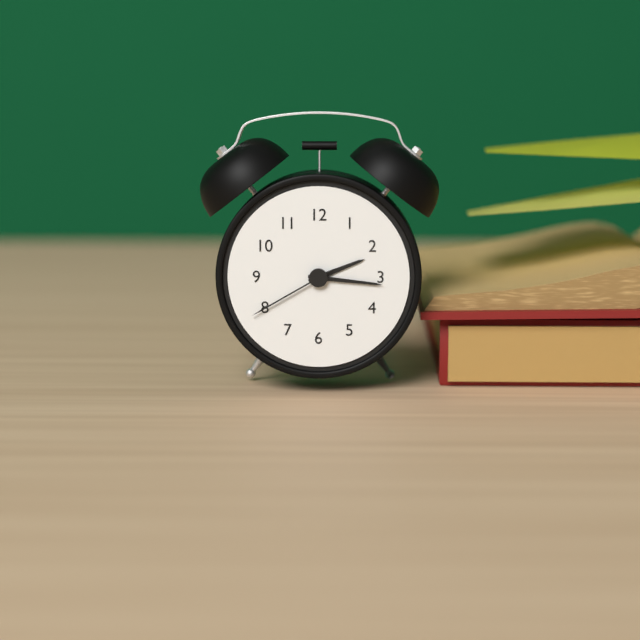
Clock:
2 h 16 min 40 s
